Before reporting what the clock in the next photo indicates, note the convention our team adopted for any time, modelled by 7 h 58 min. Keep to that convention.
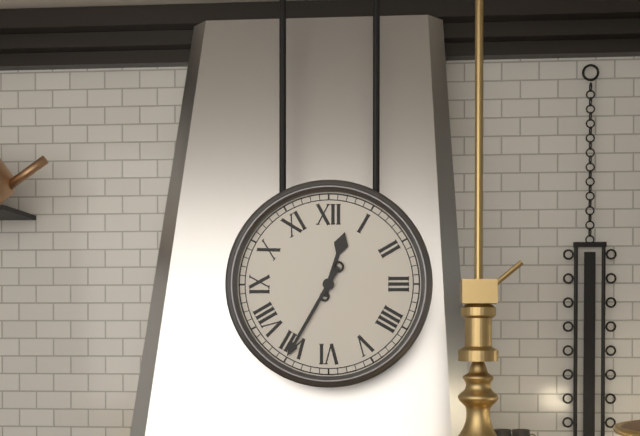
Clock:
12 h 35 min
